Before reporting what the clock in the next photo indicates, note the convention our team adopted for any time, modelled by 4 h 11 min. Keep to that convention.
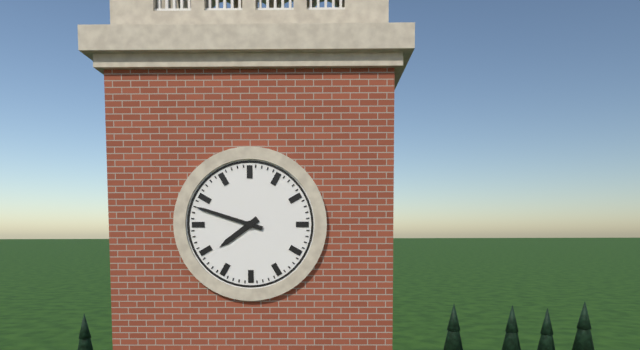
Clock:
7 h 48 min
